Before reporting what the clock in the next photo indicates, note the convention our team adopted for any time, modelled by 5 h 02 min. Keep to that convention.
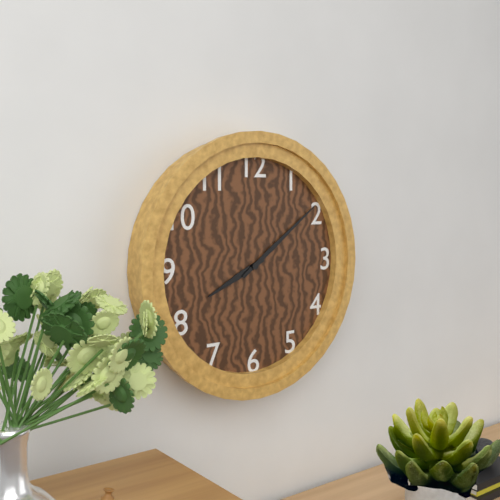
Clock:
8 h 09 min
